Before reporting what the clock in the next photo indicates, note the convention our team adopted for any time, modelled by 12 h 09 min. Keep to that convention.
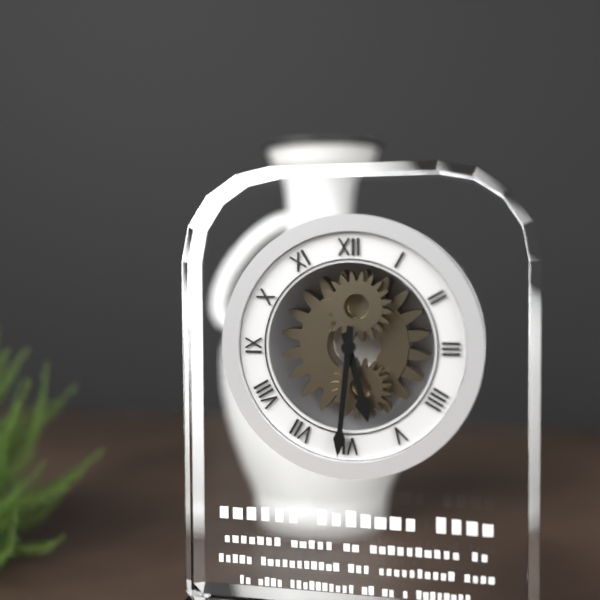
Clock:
5 h 31 min
